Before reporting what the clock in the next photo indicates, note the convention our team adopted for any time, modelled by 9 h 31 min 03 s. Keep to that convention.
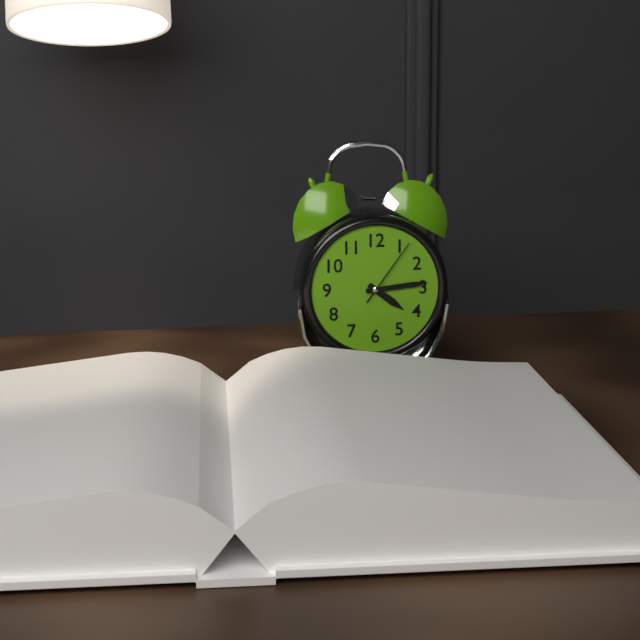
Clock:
4 h 14 min 06 s
